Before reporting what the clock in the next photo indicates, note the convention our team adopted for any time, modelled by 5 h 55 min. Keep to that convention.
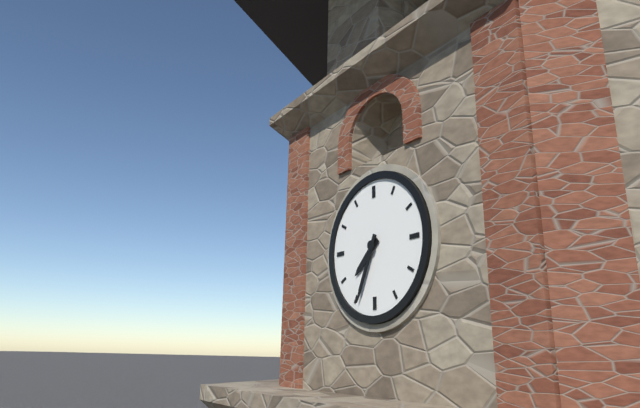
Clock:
7 h 34 min
